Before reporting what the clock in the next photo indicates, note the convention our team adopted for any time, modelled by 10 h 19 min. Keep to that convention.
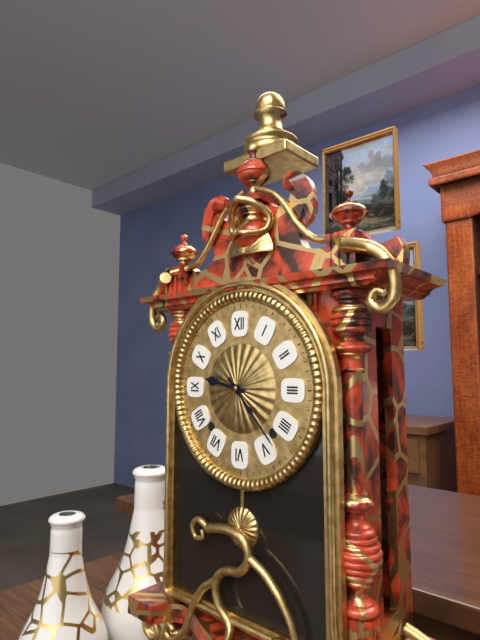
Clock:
9 h 23 min
